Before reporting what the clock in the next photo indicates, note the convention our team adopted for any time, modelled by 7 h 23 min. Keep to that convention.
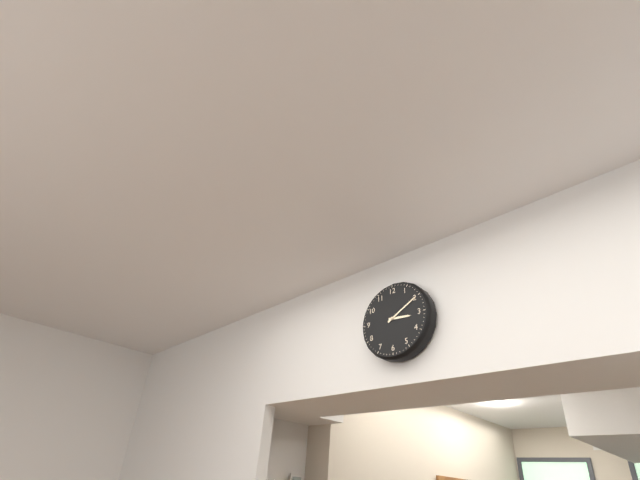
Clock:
3 h 10 min
